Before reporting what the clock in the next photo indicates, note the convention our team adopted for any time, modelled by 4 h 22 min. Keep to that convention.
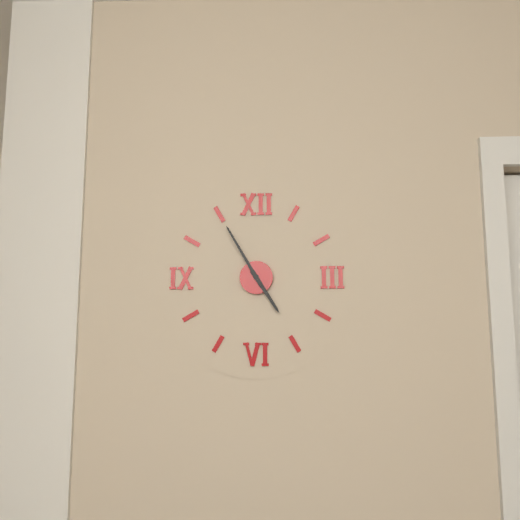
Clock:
4 h 55 min
